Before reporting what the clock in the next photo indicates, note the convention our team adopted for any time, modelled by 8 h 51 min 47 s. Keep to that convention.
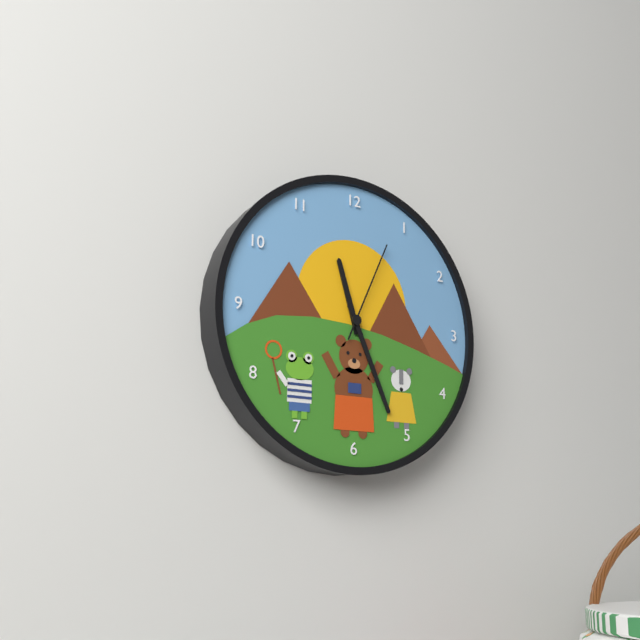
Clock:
11 h 26 min 04 s
